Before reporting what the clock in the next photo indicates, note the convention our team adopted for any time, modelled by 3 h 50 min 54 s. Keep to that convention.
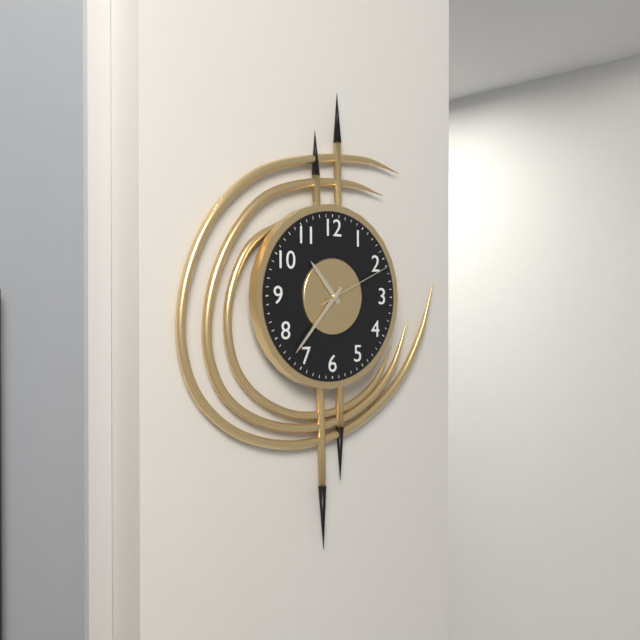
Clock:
10 h 37 min 11 s
